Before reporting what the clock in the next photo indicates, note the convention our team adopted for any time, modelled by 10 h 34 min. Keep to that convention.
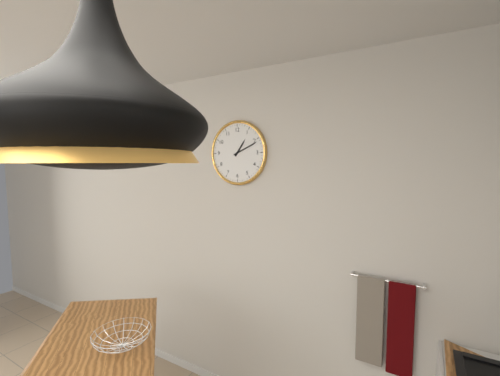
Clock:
1 h 11 min
